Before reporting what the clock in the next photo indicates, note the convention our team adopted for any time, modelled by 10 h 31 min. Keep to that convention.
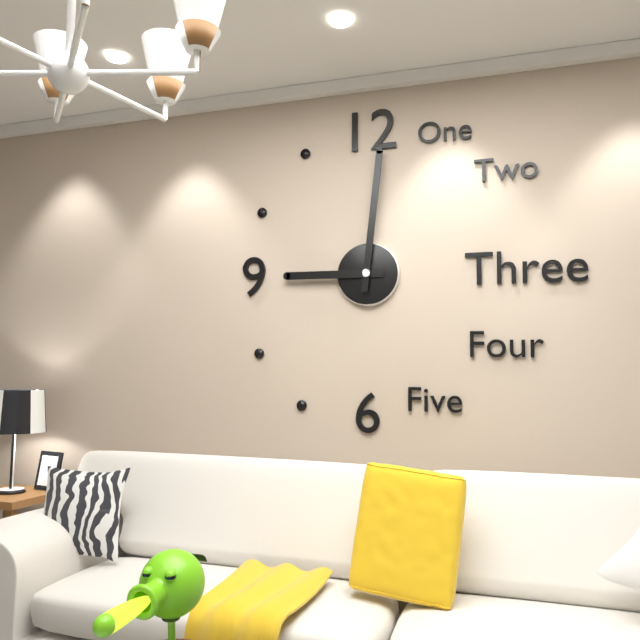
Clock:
9 h 01 min
